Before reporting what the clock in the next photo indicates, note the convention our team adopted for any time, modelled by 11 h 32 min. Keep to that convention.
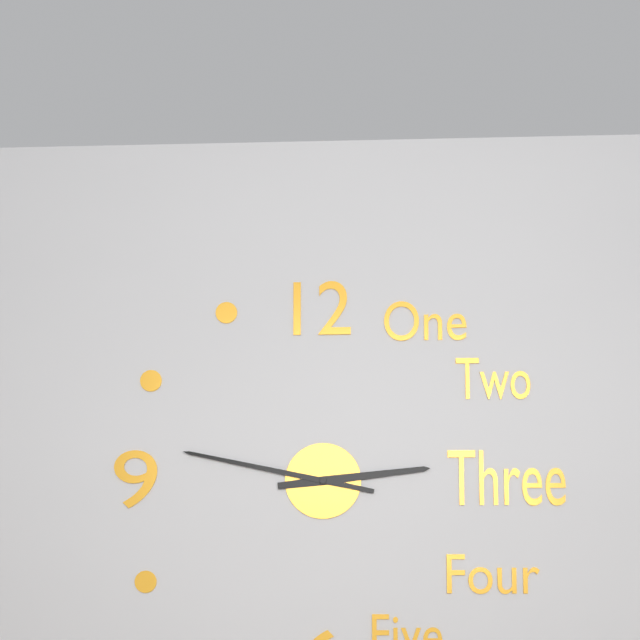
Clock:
2 h 47 min
